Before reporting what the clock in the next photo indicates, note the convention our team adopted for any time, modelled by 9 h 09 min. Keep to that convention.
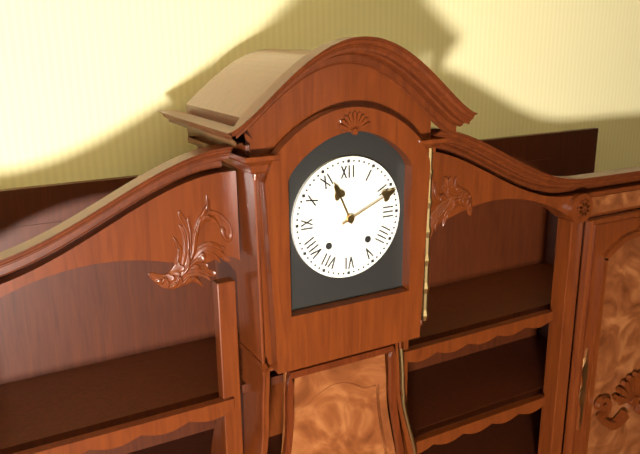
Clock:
11 h 11 min
